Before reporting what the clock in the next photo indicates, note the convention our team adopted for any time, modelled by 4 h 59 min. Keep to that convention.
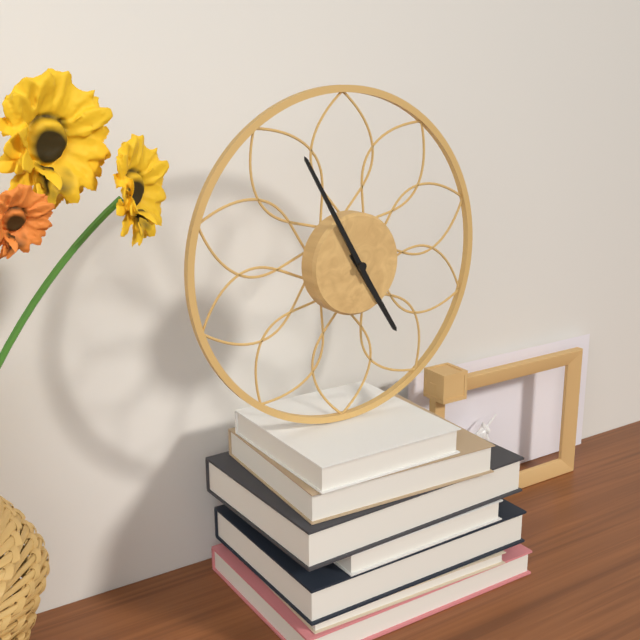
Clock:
4 h 55 min
